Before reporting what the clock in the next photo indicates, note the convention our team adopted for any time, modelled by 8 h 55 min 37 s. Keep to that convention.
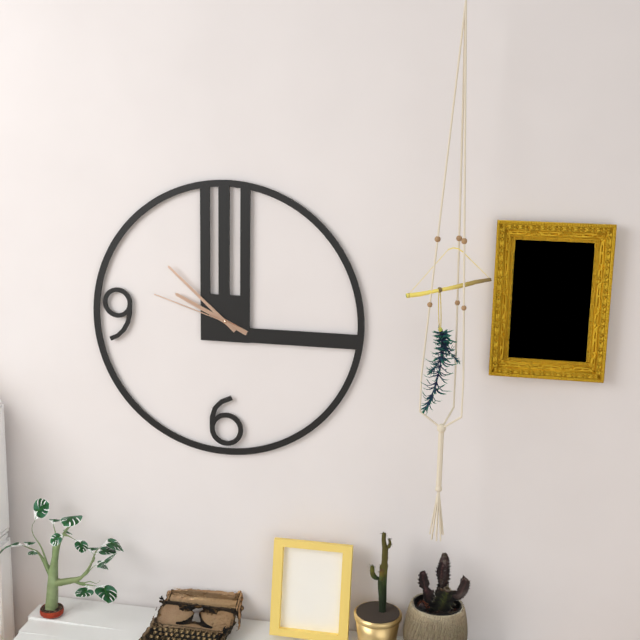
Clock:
9 h 52 min 48 s
